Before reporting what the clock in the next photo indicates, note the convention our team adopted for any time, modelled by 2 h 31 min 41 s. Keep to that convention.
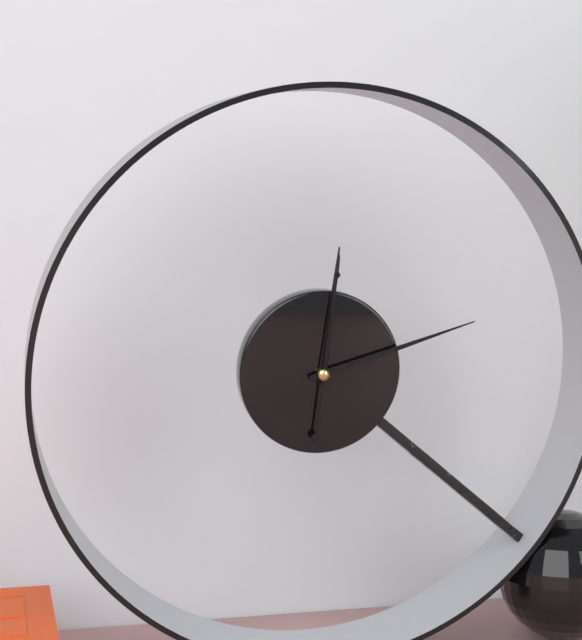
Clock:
12 h 12 min 01 s
